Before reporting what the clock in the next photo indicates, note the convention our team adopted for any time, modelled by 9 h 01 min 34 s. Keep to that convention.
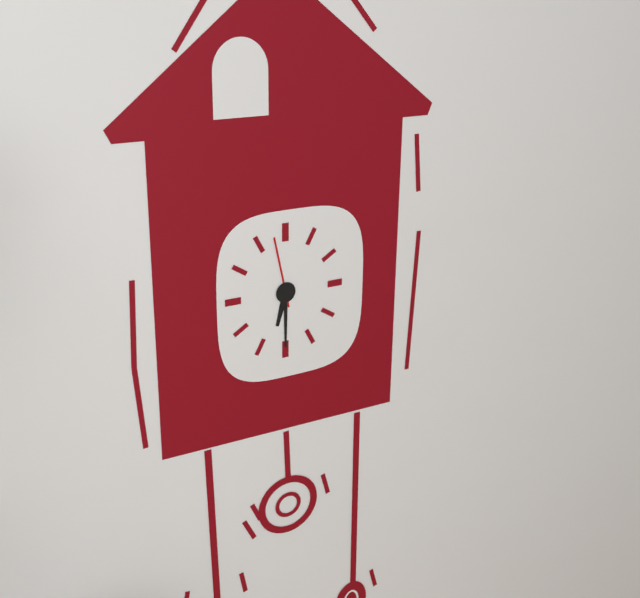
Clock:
6 h 30 min 58 s
